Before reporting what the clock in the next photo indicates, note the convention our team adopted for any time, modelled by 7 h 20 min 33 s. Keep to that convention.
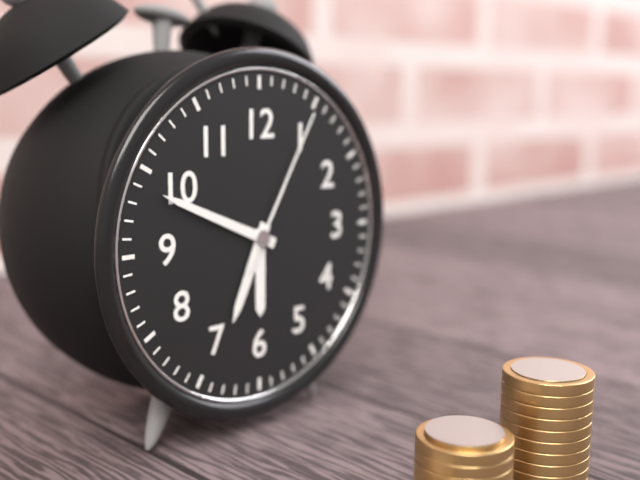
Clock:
6 h 49 min 05 s
